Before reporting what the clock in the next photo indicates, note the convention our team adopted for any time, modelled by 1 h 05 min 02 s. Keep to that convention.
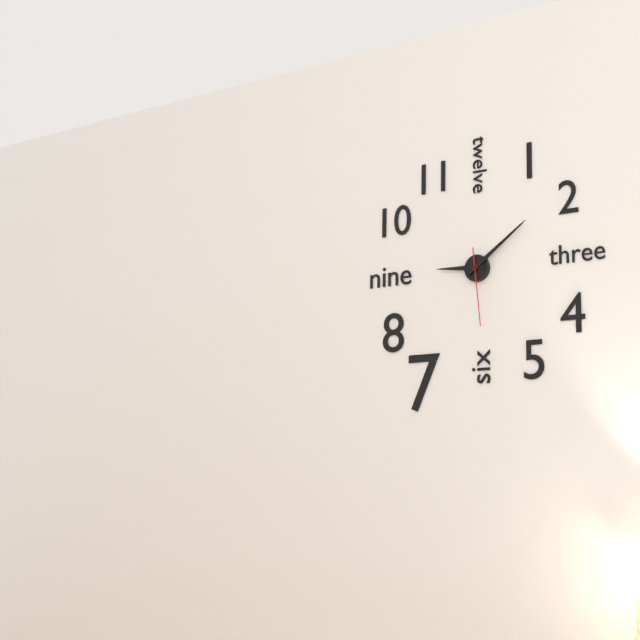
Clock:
9 h 09 min 29 s
